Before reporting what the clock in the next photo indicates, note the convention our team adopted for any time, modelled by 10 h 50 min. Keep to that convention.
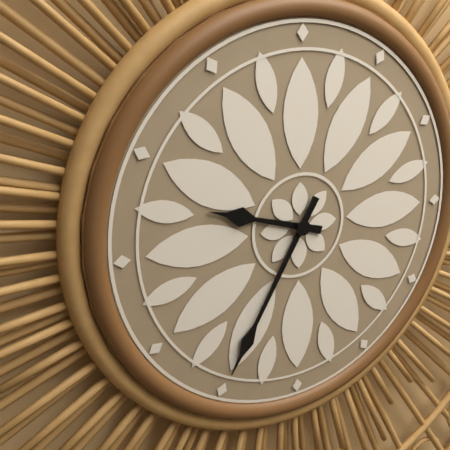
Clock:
9 h 35 min
